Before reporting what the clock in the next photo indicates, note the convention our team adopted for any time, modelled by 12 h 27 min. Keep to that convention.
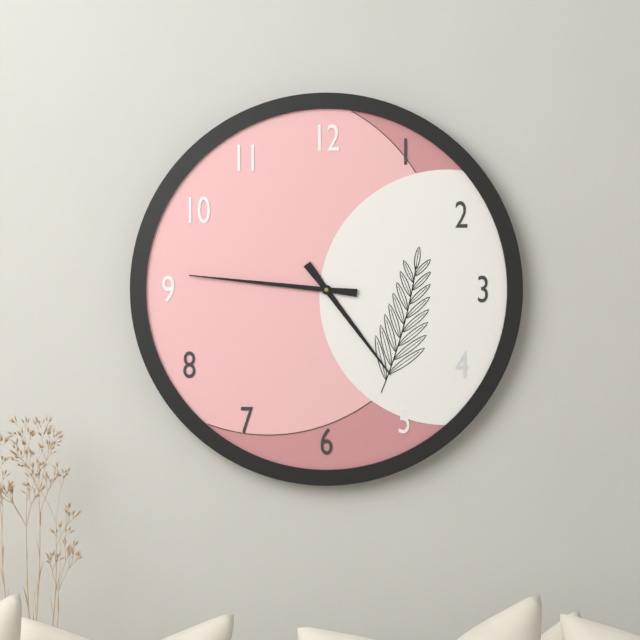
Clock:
4 h 46 min
